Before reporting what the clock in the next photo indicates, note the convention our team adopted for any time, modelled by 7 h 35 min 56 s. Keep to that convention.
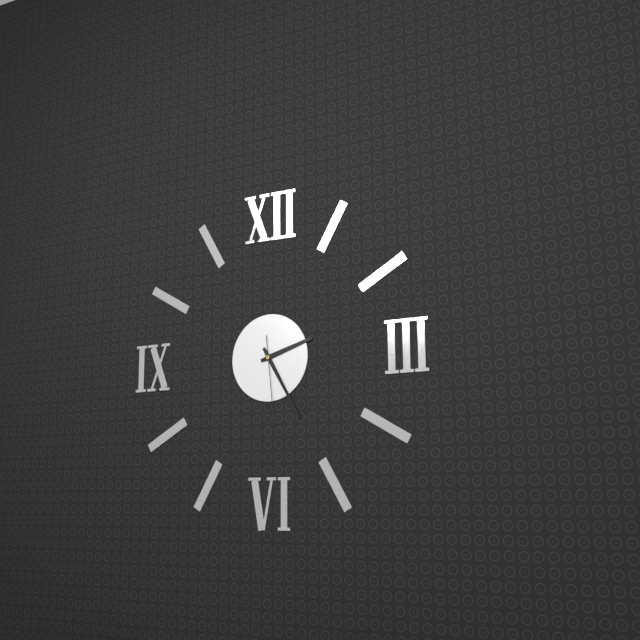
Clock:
2 h 25 min 29 s
